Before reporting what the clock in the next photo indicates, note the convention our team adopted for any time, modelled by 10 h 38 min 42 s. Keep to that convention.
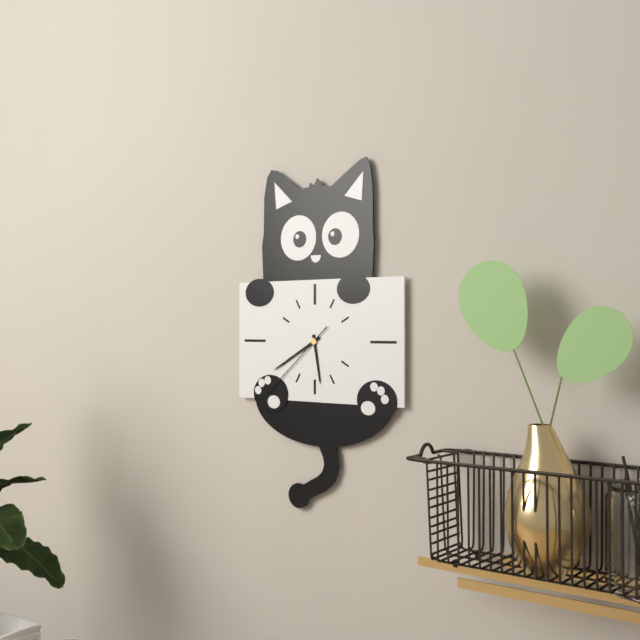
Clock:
5 h 40 min 38 s
